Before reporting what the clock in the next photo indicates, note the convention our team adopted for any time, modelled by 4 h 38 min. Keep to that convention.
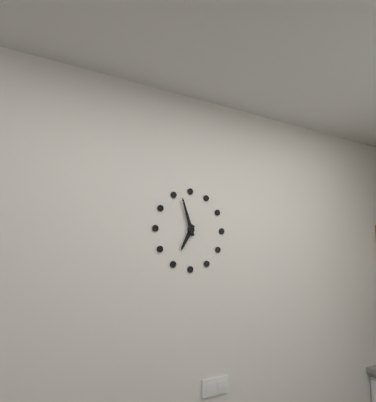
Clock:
6 h 57 min
